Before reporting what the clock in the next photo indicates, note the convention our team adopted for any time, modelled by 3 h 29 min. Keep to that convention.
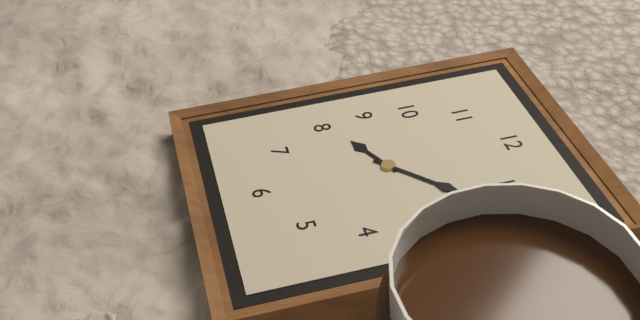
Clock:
8 h 08 min
